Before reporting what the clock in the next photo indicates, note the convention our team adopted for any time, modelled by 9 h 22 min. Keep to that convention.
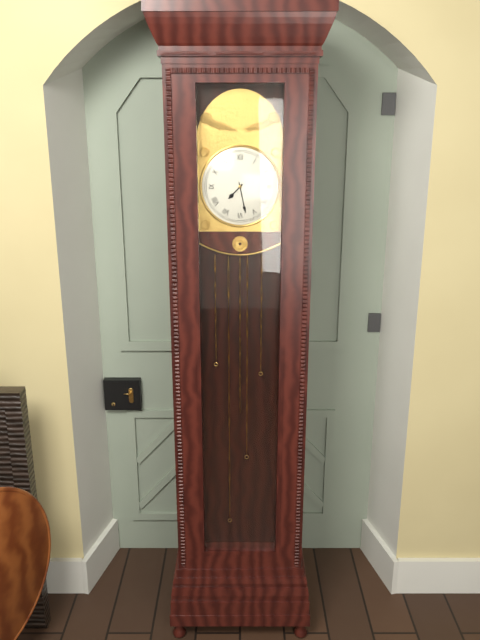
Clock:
7 h 28 min
